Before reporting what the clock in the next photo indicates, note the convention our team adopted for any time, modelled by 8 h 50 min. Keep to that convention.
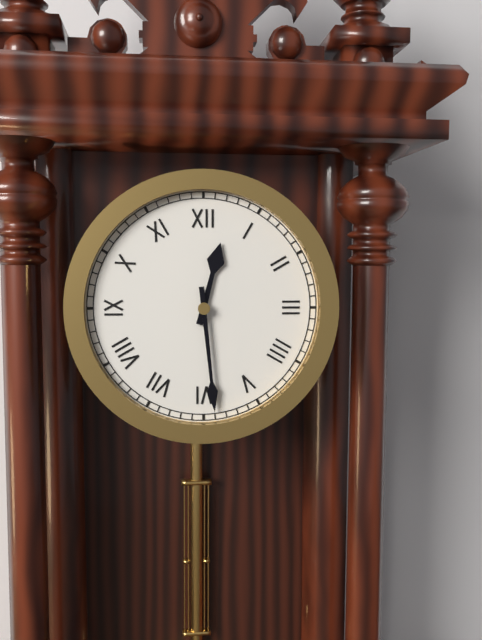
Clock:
12 h 29 min
